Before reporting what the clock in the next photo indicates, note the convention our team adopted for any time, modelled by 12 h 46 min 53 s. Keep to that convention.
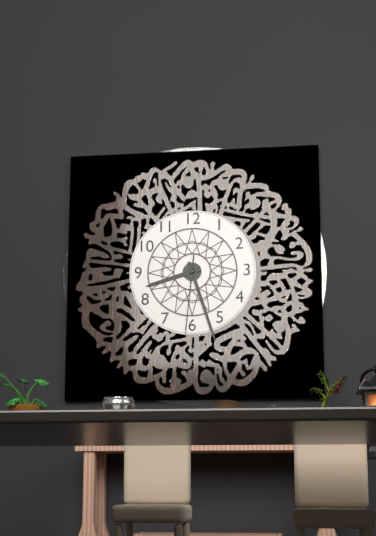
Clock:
8 h 27 min 31 s
